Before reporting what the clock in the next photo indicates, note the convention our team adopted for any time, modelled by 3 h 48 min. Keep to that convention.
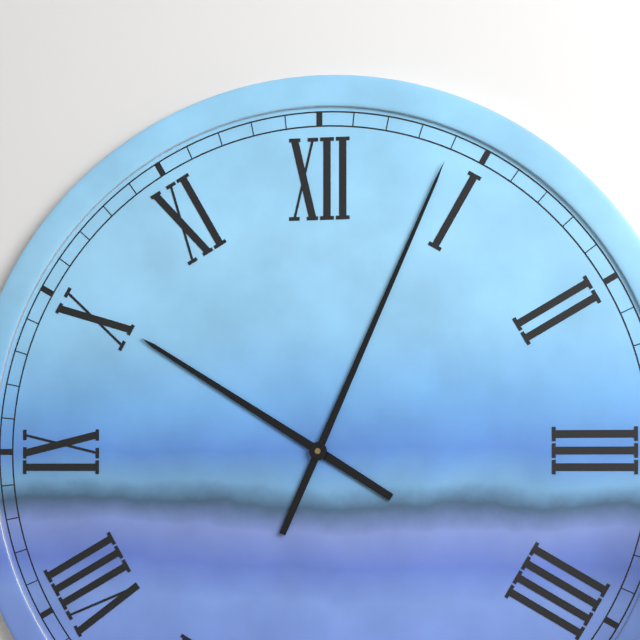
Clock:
10 h 04 min
